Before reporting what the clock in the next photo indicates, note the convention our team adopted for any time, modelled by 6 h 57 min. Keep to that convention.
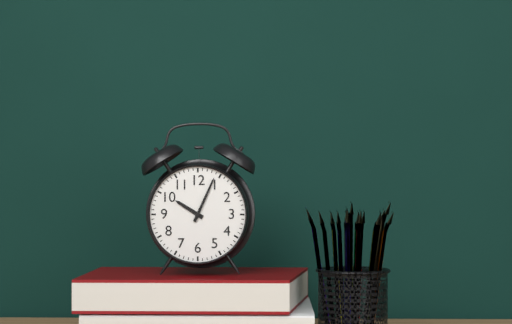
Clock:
10 h 04 min
